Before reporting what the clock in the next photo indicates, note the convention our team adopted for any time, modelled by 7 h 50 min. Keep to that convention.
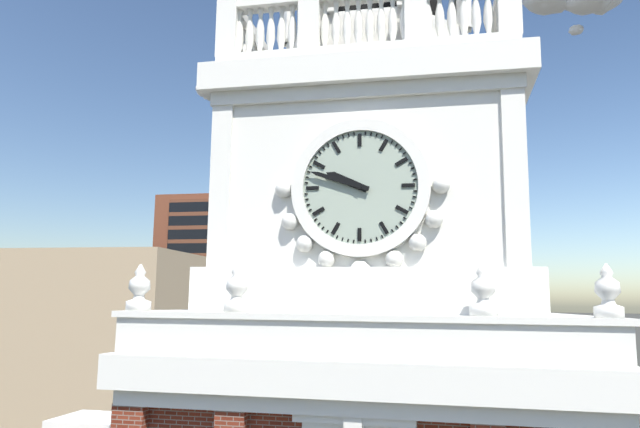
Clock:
9 h 48 min
